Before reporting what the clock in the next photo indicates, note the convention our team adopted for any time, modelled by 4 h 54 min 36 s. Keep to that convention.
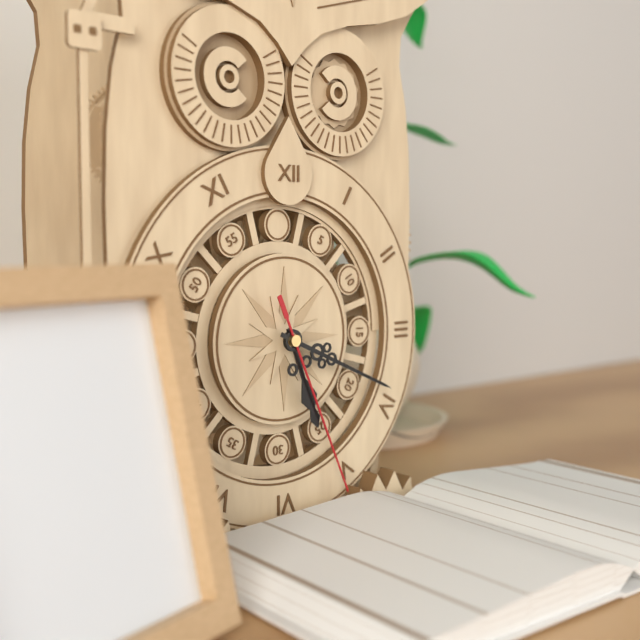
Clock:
5 h 19 min 26 s
